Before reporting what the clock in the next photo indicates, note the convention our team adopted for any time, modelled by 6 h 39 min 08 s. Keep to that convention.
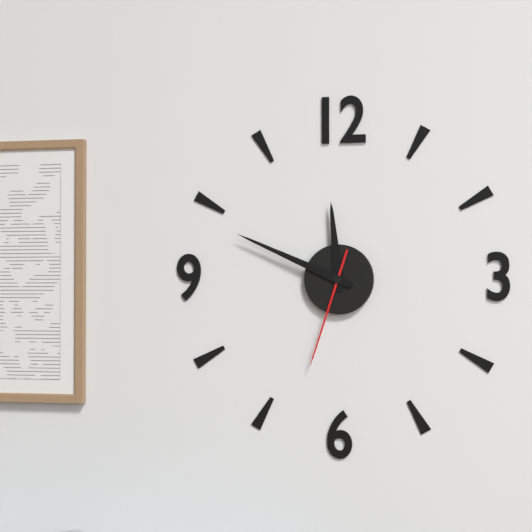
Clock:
11 h 49 min 33 s
